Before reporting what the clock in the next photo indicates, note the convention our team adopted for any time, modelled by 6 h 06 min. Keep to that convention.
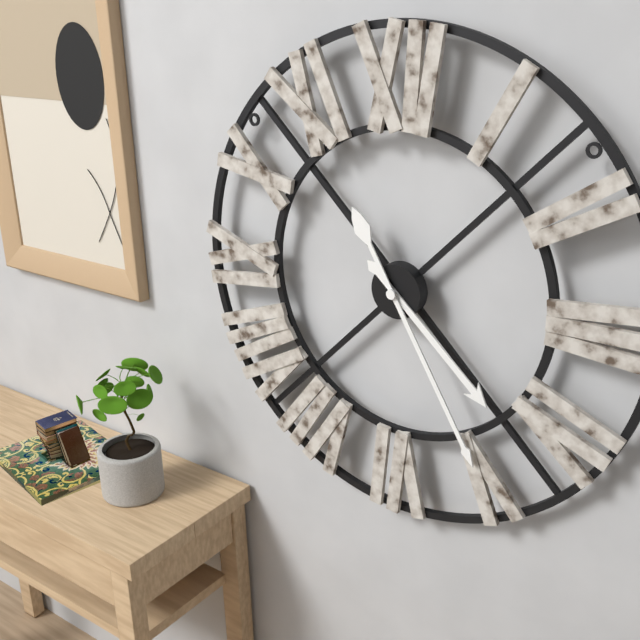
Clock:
4 h 25 min
